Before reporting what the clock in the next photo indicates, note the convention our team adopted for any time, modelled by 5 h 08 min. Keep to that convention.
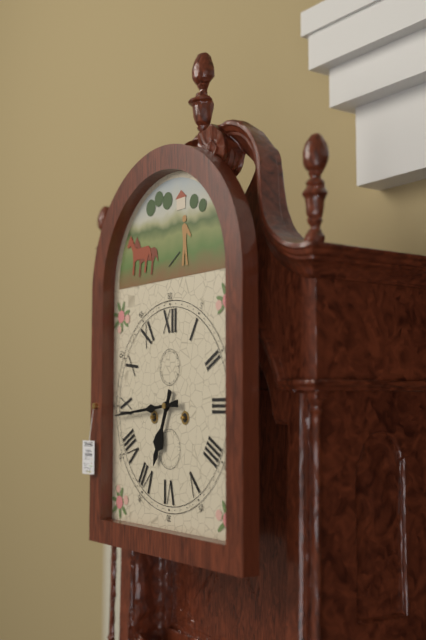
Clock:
6 h 44 min
